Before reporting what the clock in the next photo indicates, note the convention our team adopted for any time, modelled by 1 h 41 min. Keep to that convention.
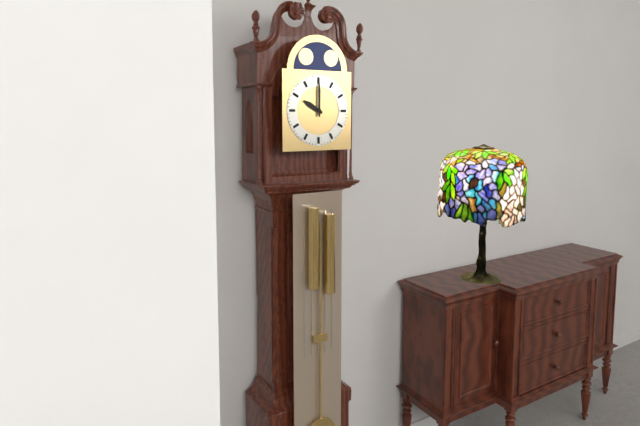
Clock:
10 h 00 min
